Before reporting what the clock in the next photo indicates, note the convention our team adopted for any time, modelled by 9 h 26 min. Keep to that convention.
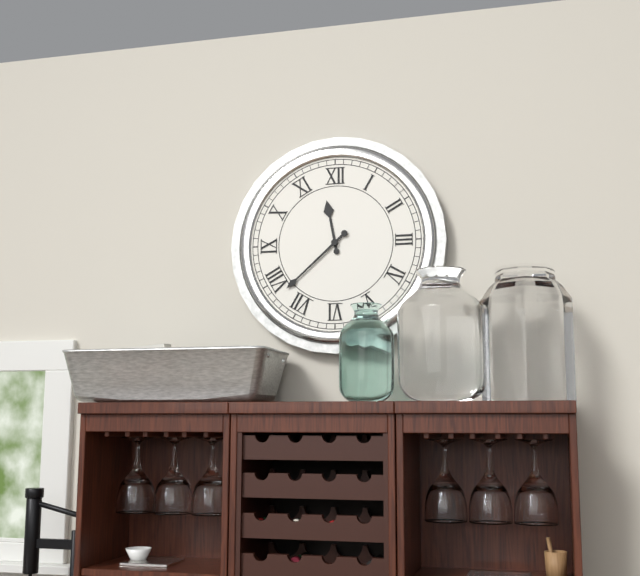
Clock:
11 h 38 min
